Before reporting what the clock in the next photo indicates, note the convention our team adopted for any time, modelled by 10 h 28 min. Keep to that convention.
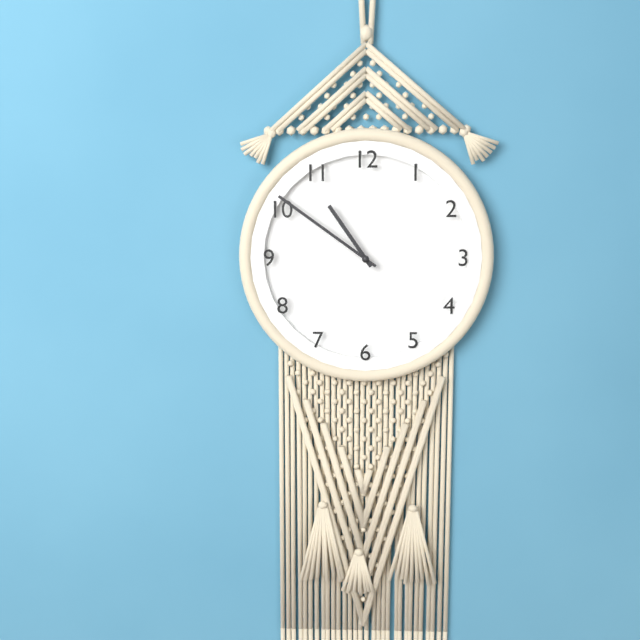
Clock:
10 h 51 min
